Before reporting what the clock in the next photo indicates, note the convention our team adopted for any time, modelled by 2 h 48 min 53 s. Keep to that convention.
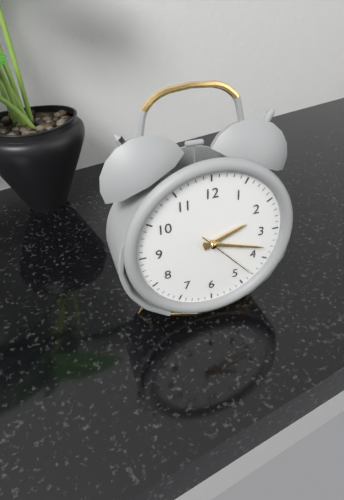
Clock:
2 h 18 min 23 s
